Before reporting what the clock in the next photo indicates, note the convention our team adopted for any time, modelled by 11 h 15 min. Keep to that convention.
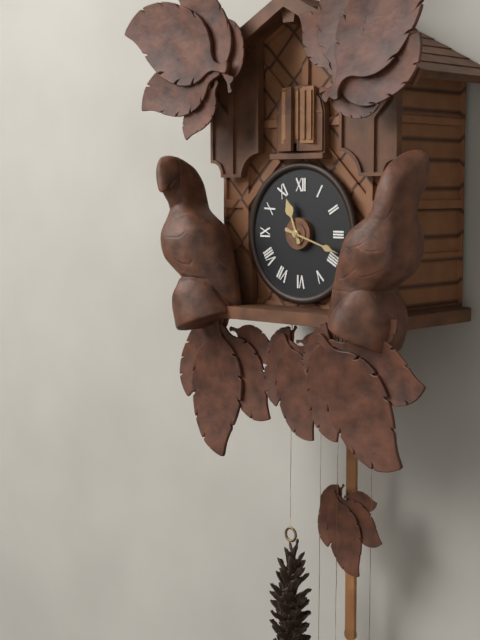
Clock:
11 h 18 min
